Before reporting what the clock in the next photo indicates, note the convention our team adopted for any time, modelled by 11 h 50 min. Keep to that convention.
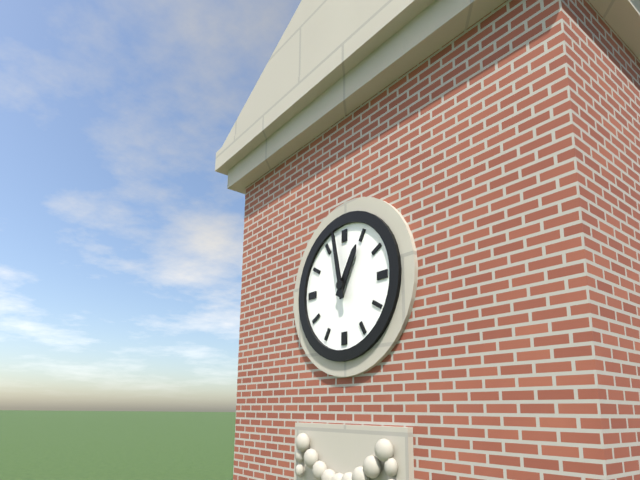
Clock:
12 h 58 min
